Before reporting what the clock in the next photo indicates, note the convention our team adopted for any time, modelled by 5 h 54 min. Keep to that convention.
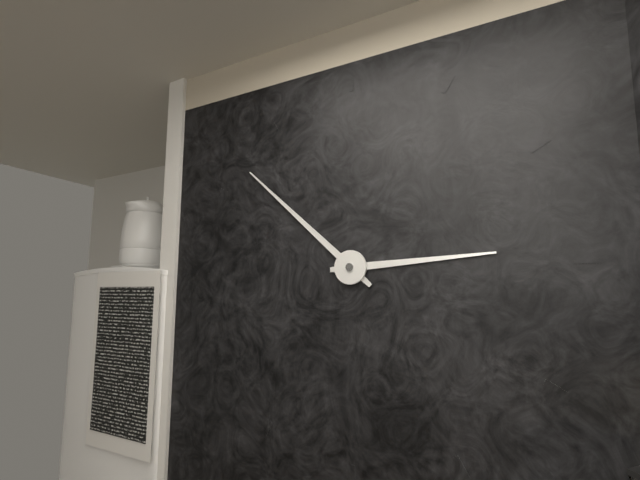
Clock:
2 h 52 min
